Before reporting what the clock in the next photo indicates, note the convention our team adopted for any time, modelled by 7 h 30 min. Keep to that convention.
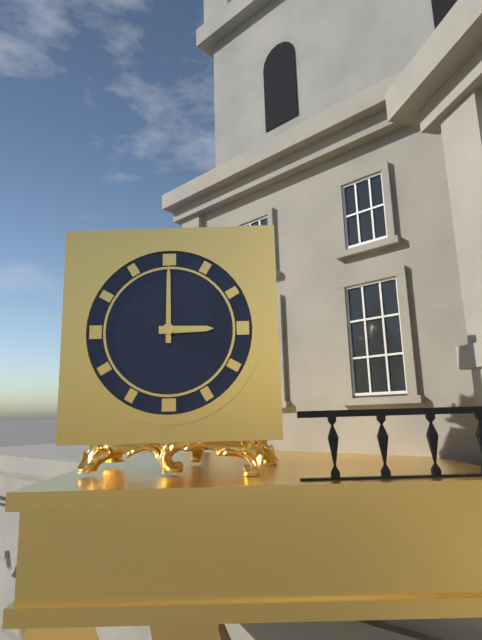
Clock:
3 h 00 min
